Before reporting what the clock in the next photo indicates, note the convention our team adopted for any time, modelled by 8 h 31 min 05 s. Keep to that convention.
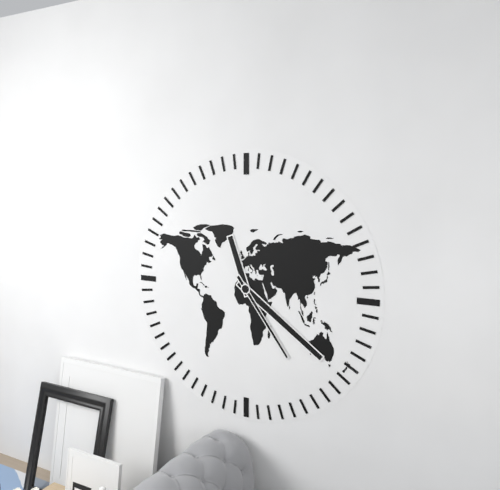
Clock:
11 h 21 min 24 s
